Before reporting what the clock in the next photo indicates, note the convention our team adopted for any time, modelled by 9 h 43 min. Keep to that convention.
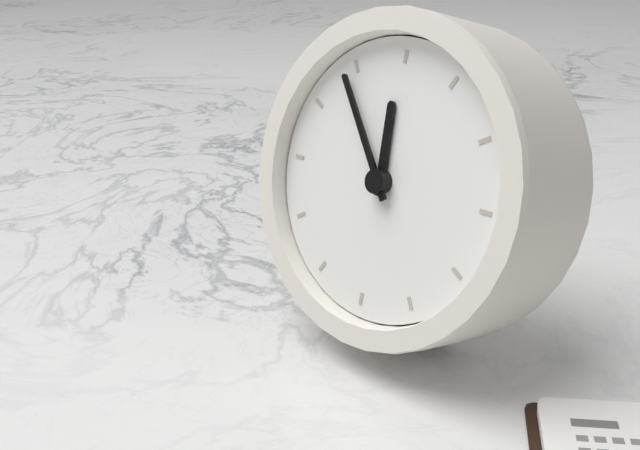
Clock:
11 h 54 min
